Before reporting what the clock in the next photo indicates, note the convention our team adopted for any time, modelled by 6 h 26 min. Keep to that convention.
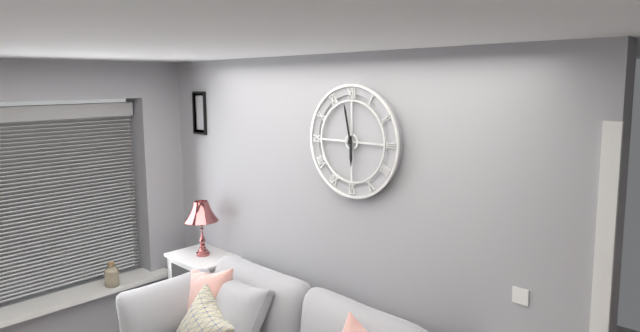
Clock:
5 h 58 min
